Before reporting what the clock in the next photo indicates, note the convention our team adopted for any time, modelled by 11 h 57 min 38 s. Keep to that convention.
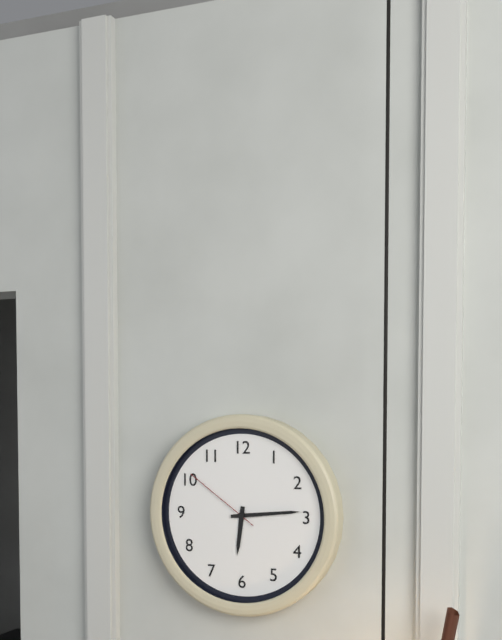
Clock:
6 h 14 min 51 s
